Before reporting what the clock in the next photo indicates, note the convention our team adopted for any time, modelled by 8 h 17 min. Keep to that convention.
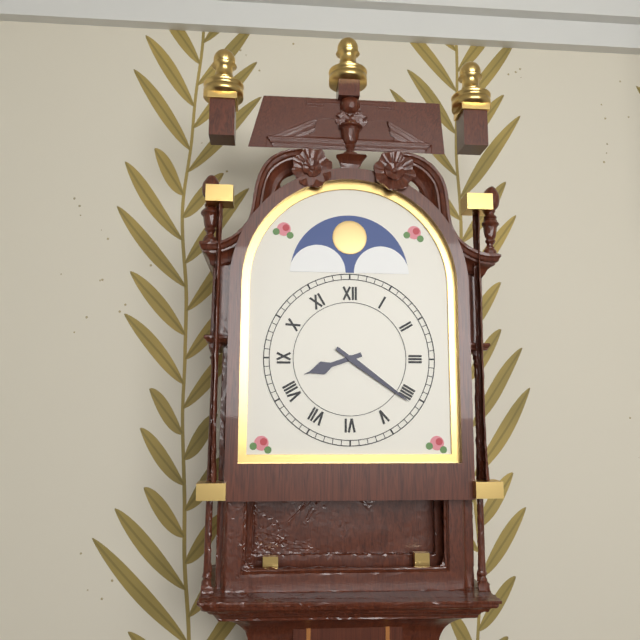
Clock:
8 h 21 min
